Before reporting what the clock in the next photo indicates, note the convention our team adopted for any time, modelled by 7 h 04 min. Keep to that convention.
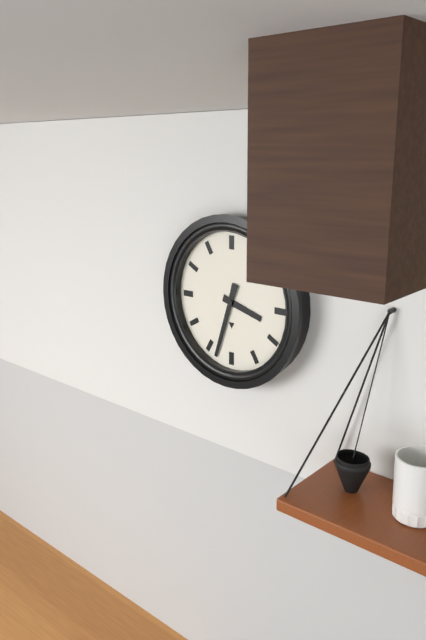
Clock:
3 h 33 min
